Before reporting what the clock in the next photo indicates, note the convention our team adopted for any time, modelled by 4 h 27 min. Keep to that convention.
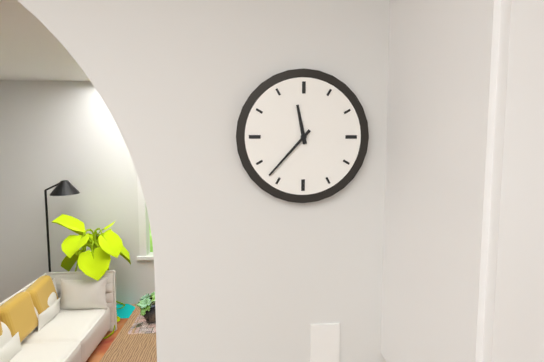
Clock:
11 h 37 min
